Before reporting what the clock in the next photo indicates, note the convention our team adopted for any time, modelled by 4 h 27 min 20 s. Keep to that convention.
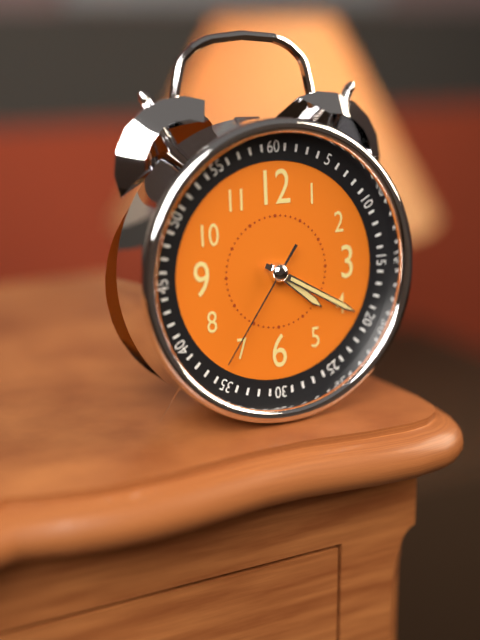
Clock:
4 h 20 min 36 s
